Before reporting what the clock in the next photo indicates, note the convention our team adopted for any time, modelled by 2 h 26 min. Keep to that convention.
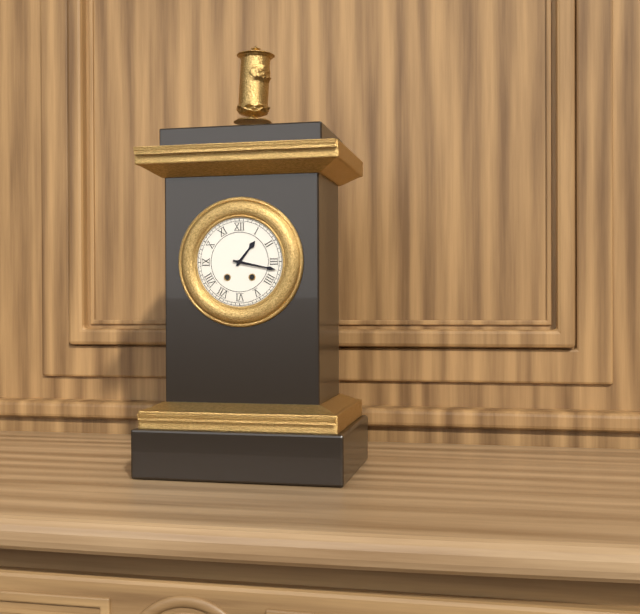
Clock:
1 h 17 min
